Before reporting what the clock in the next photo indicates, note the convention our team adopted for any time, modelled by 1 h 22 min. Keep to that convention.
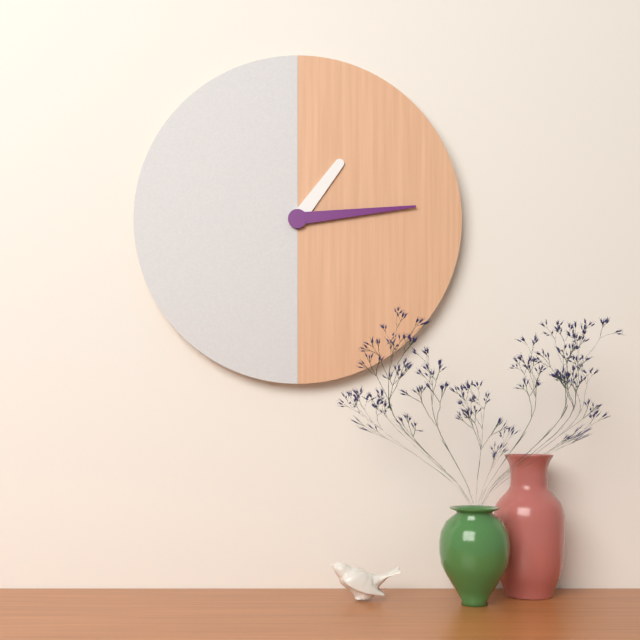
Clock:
1 h 14 min
